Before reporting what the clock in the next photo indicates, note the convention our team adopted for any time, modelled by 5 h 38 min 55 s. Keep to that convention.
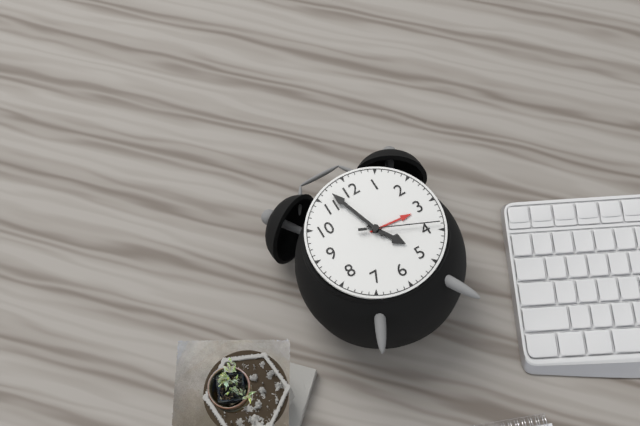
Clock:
4 h 57 min 19 s
